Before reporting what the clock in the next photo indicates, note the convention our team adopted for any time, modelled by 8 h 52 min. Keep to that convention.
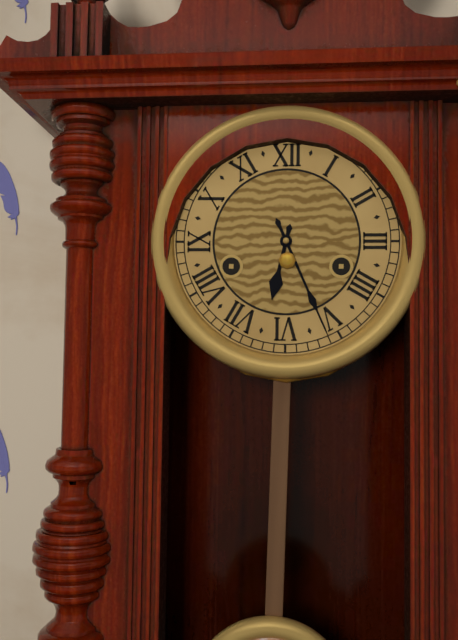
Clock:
6 h 26 min
